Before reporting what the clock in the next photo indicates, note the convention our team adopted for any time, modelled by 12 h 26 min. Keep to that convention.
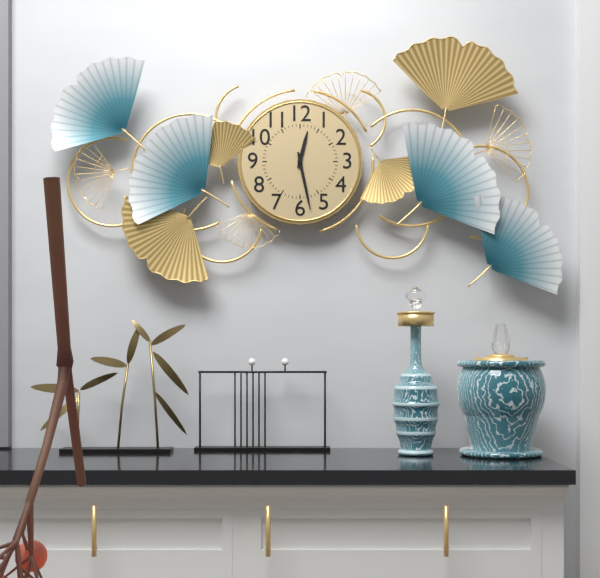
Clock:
12 h 28 min
